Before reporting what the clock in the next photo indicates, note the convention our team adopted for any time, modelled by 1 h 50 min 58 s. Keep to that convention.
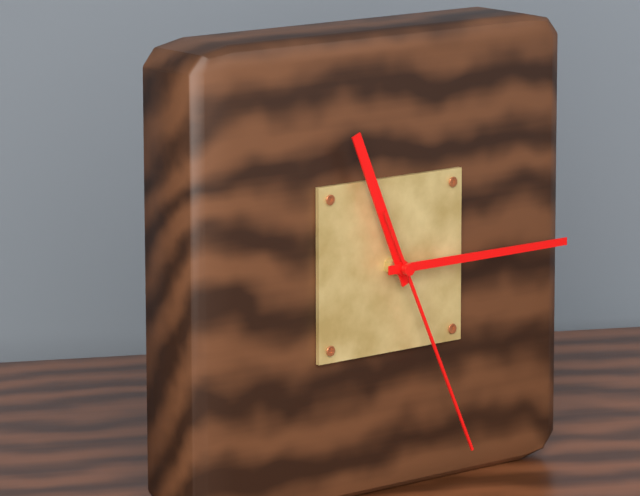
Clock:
11 h 15 min 26 s
